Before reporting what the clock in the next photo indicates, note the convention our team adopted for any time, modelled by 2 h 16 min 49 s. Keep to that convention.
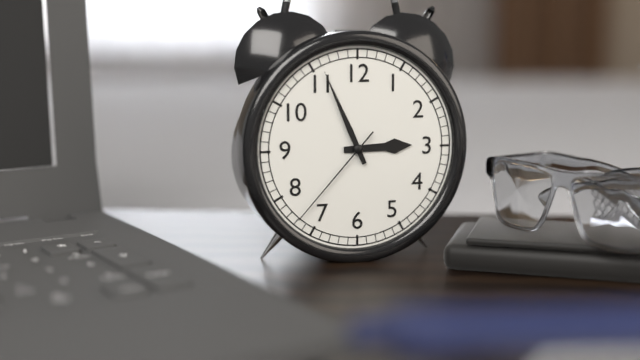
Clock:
2 h 56 min 37 s
